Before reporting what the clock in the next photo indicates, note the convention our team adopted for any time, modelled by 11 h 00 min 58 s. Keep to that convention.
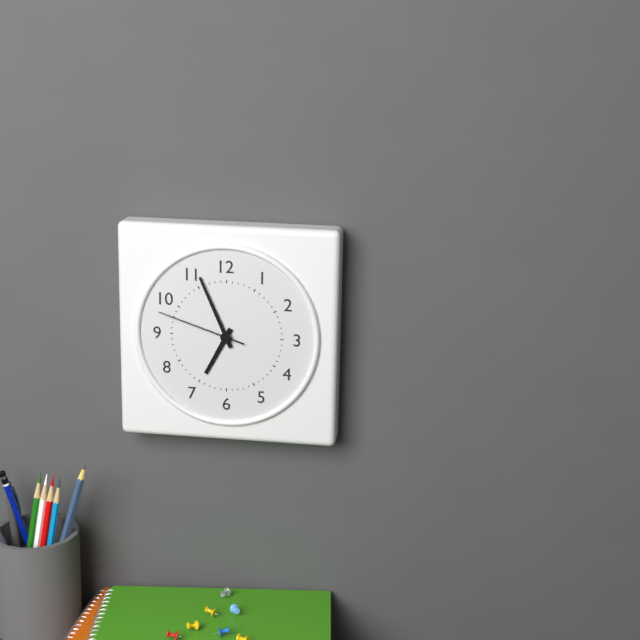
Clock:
6 h 56 min 48 s
